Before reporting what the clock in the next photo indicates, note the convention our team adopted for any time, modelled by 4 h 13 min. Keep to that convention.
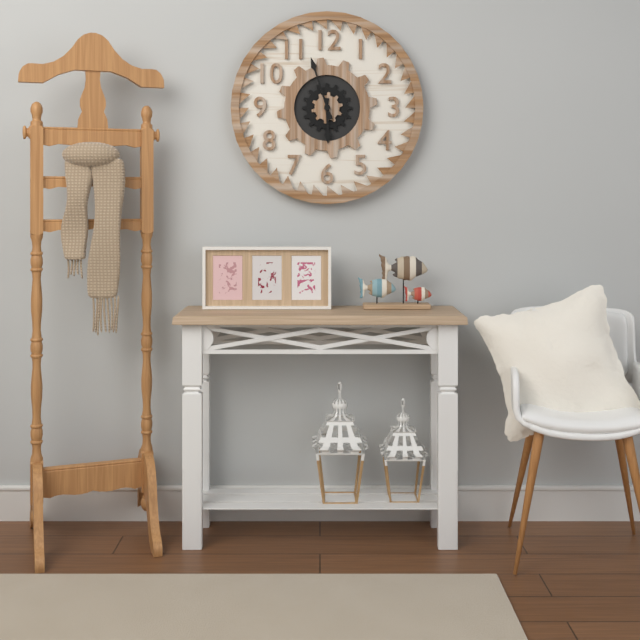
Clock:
5 h 57 min
